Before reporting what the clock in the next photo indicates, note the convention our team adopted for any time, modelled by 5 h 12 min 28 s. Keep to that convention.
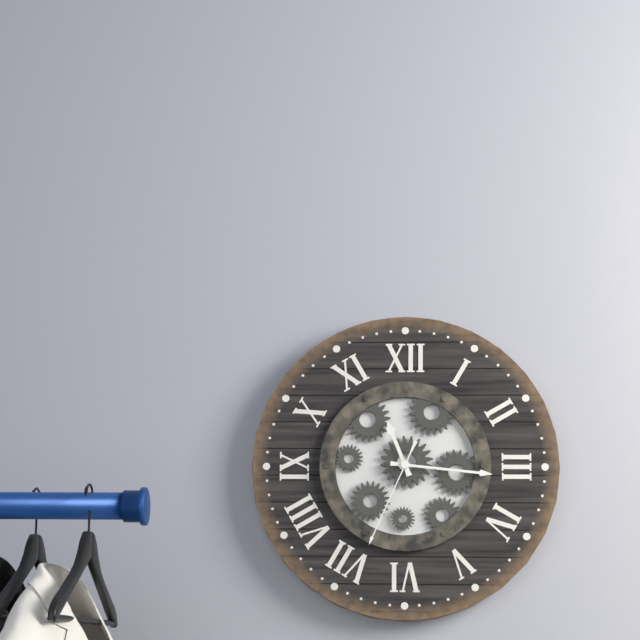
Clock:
11 h 16 min 34 s
